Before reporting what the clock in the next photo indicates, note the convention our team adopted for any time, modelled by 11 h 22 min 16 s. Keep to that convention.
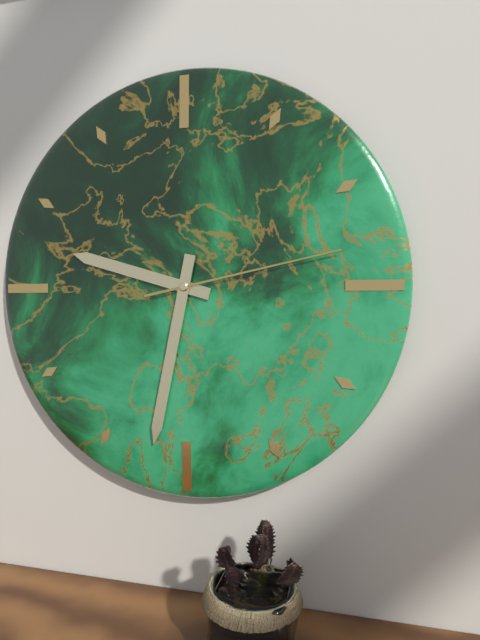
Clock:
9 h 32 min 13 s
